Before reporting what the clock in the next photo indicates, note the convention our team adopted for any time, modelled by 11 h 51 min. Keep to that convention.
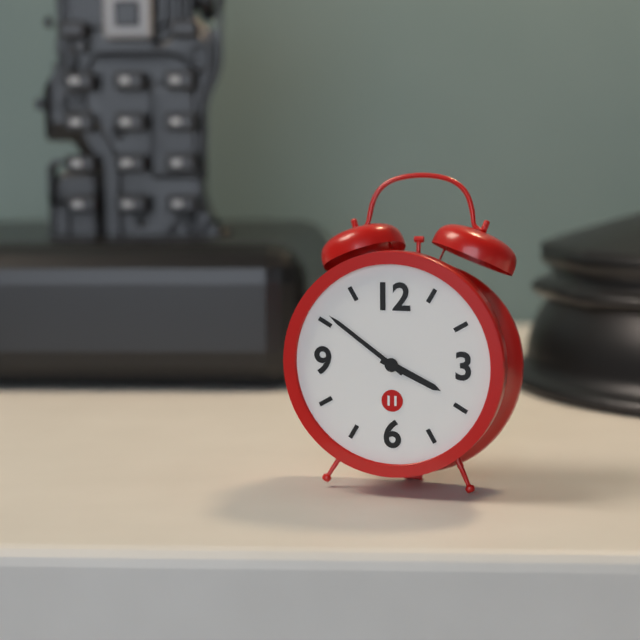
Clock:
3 h 51 min
